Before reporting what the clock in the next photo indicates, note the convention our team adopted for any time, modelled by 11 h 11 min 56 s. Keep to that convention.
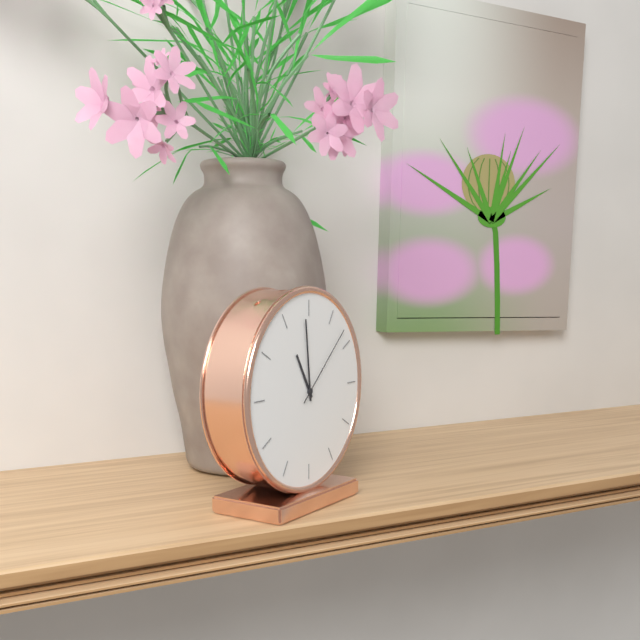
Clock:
10 h 59 min 08 s
